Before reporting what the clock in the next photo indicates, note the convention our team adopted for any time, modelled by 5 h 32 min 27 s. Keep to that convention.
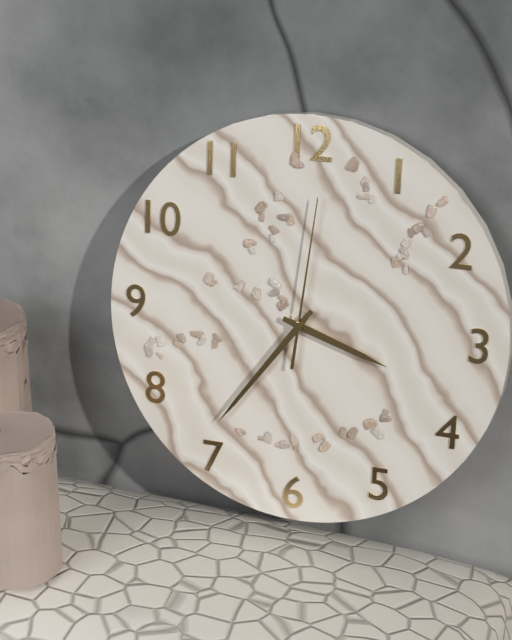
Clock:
3 h 36 min 01 s
